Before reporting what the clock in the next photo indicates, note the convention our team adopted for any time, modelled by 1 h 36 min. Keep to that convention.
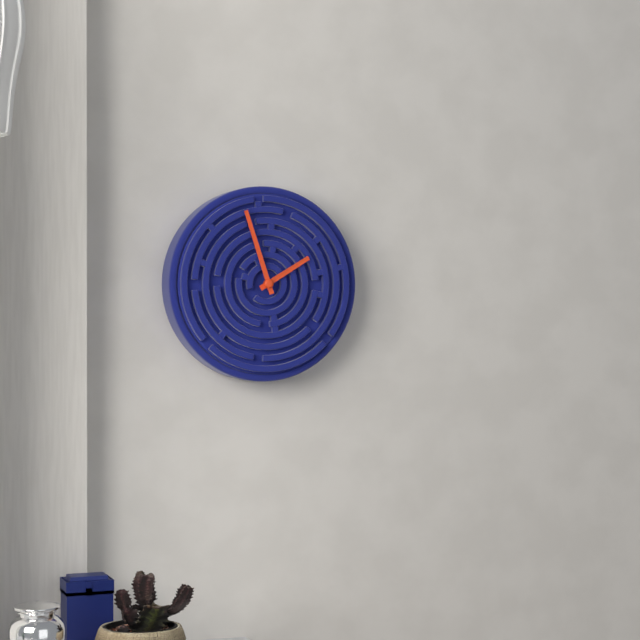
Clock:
1 h 57 min
